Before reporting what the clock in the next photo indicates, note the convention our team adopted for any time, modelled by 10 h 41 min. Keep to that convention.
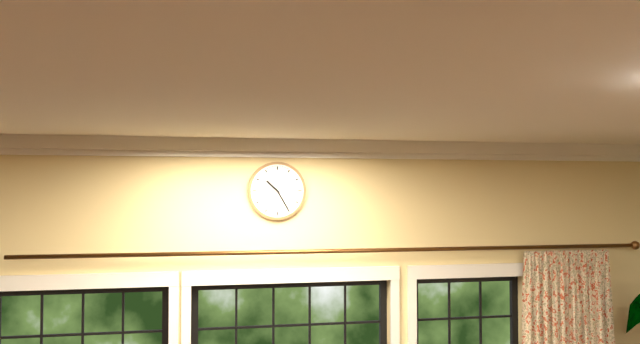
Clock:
10 h 25 min
